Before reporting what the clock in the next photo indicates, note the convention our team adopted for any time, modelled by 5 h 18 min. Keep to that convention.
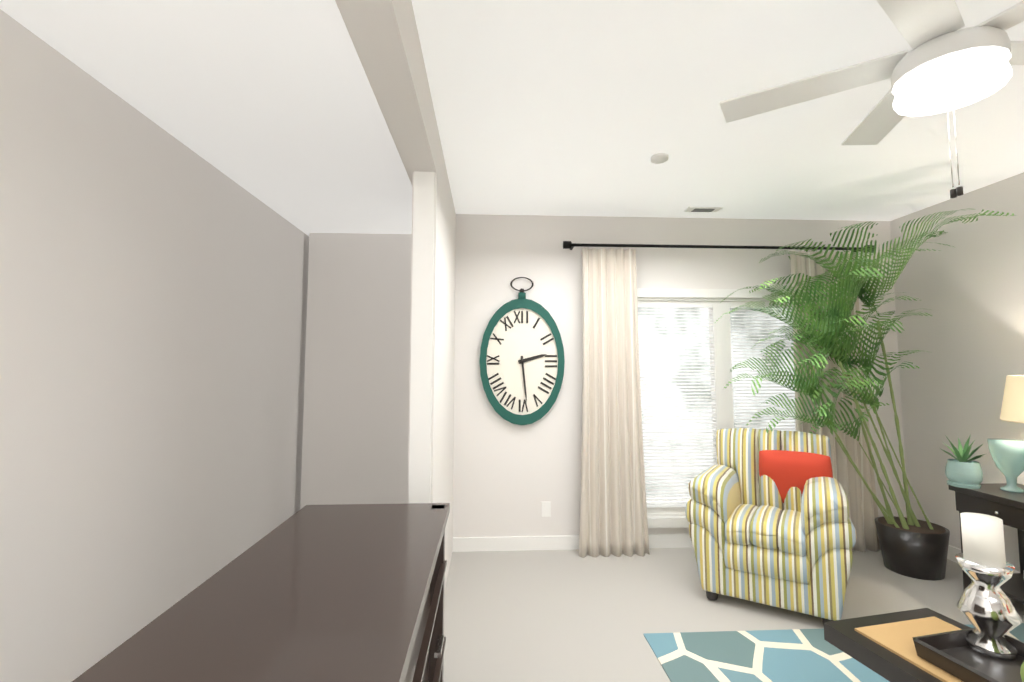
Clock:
2 h 29 min
